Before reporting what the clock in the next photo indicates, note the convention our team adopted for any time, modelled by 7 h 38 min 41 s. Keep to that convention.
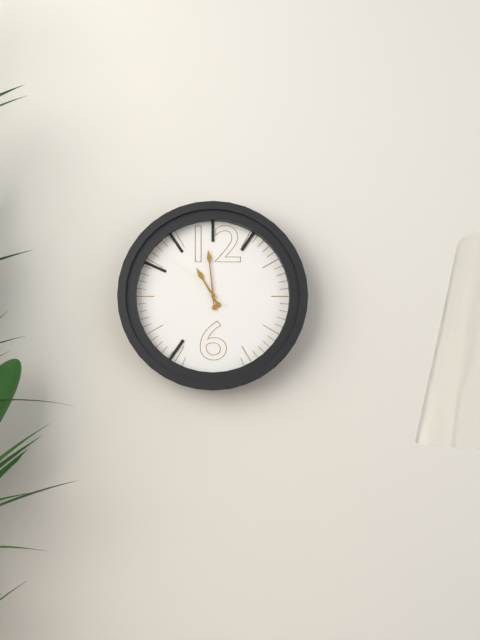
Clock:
10 h 59 min 52 s
